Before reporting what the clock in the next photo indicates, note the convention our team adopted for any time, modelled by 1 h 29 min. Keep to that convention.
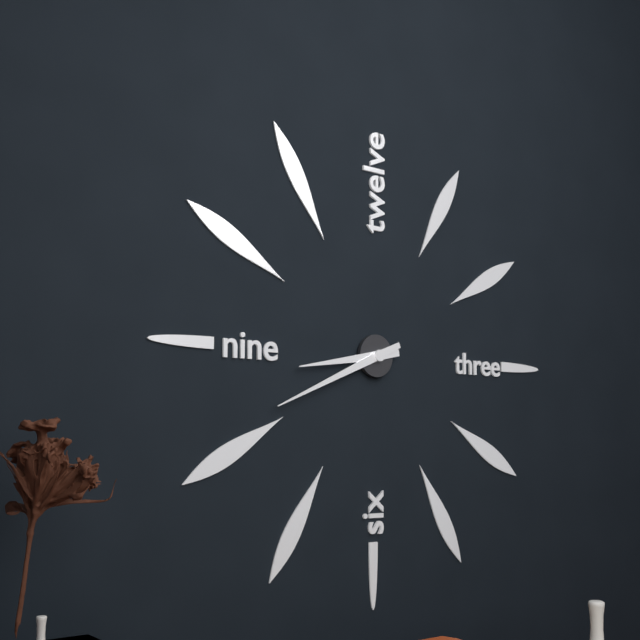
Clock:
8 h 41 min
